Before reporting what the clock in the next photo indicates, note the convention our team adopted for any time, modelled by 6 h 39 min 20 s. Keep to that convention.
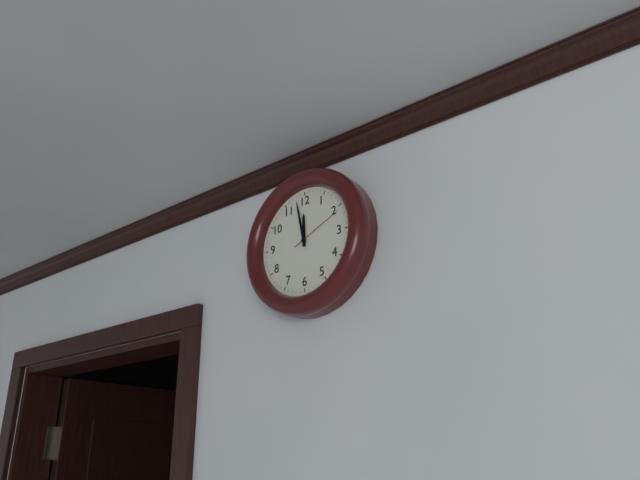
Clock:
11 h 58 min 11 s
